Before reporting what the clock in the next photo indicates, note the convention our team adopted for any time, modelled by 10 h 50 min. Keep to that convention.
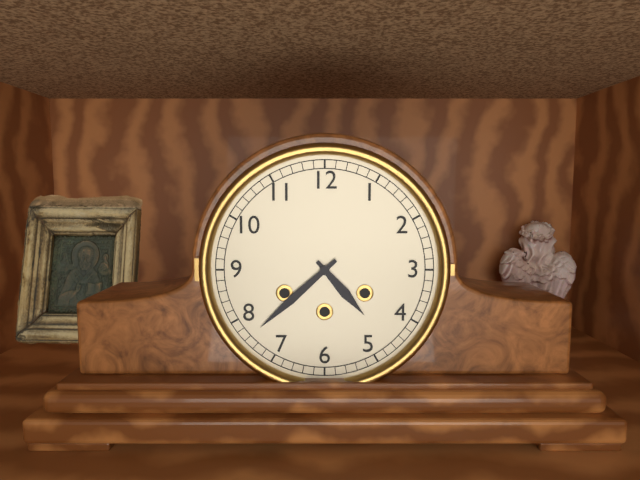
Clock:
4 h 38 min
